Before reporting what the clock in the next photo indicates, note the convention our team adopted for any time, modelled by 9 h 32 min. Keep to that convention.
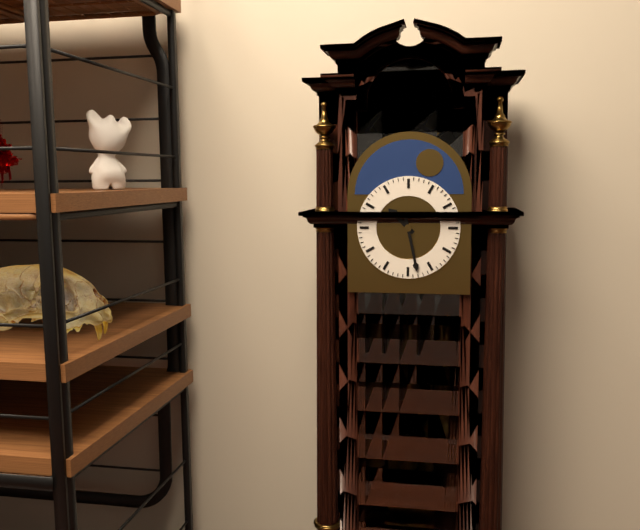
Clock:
10 h 28 min
